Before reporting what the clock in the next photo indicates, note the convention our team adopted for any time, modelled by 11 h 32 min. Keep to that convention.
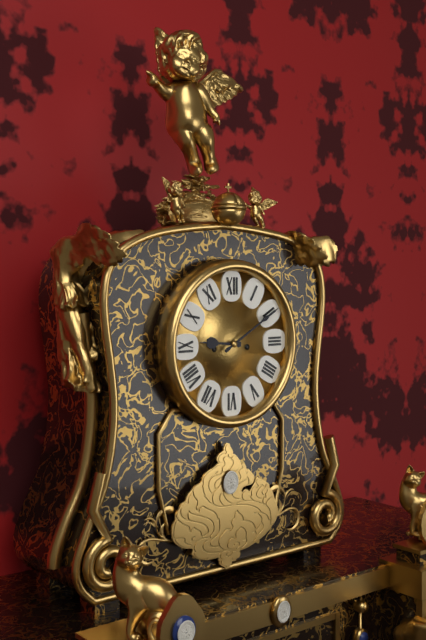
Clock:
9 h 10 min
